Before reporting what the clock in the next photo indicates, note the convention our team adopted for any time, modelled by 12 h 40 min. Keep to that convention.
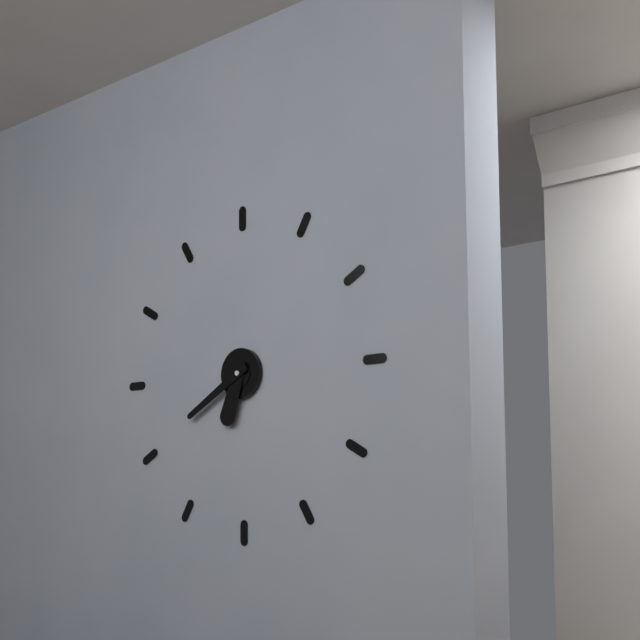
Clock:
6 h 40 min
